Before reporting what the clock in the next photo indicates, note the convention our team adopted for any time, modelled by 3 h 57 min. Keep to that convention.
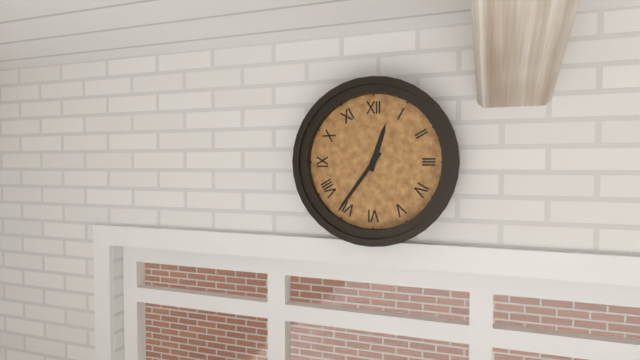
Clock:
12 h 36 min
